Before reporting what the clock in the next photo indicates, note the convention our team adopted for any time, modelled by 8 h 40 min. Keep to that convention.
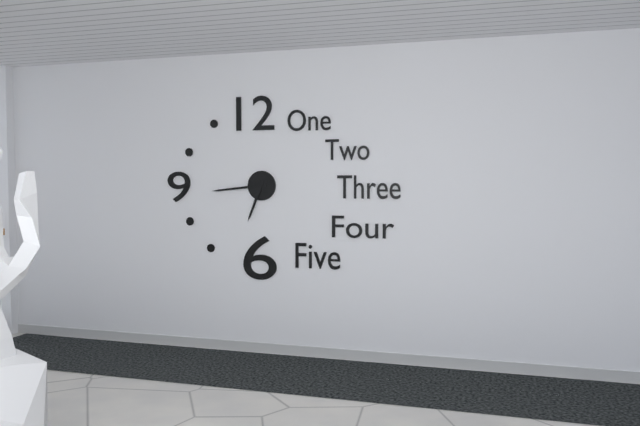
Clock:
6 h 44 min
